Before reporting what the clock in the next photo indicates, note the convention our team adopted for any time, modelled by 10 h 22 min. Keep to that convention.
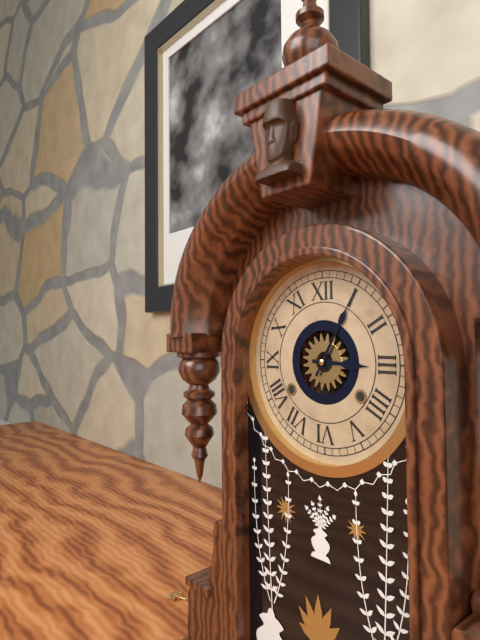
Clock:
3 h 05 min
